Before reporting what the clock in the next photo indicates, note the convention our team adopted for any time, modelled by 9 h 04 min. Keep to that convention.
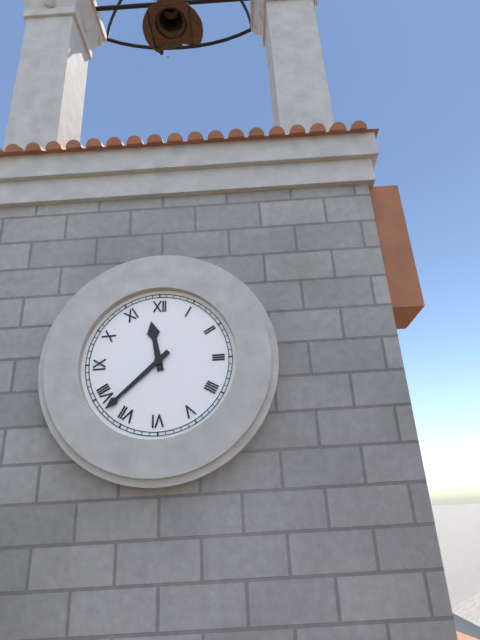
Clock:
11 h 38 min
